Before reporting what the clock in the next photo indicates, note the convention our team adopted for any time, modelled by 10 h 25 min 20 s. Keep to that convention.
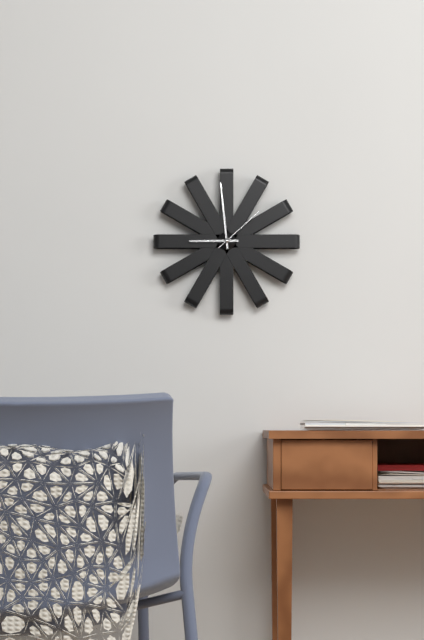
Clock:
8 h 59 min 08 s
